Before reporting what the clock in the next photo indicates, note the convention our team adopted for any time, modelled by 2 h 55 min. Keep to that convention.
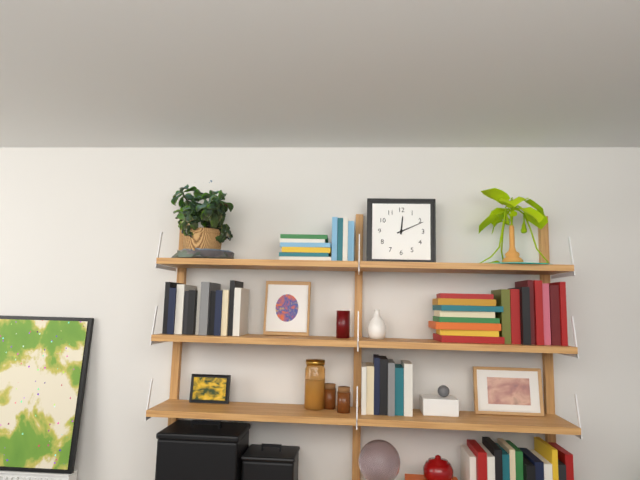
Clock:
12 h 11 min
